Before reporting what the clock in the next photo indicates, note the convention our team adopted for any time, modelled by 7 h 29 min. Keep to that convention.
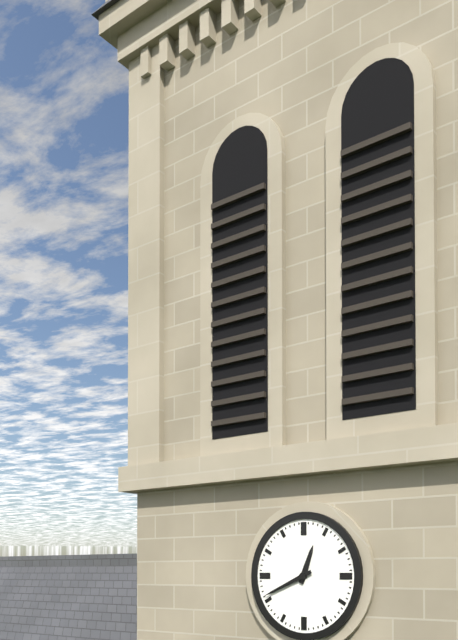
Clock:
12 h 41 min
